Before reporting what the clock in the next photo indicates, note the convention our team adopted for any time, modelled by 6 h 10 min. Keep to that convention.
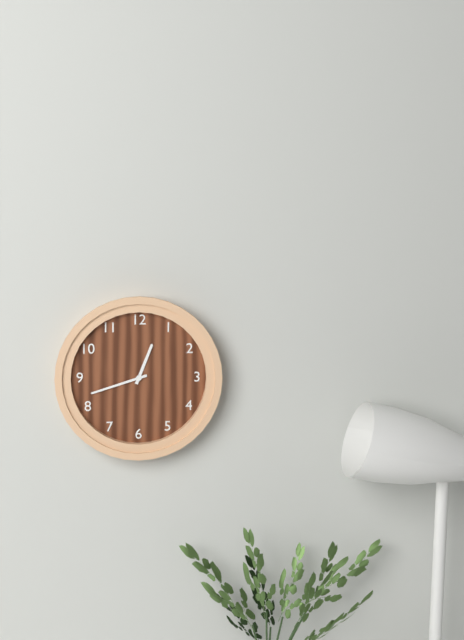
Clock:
12 h 42 min
